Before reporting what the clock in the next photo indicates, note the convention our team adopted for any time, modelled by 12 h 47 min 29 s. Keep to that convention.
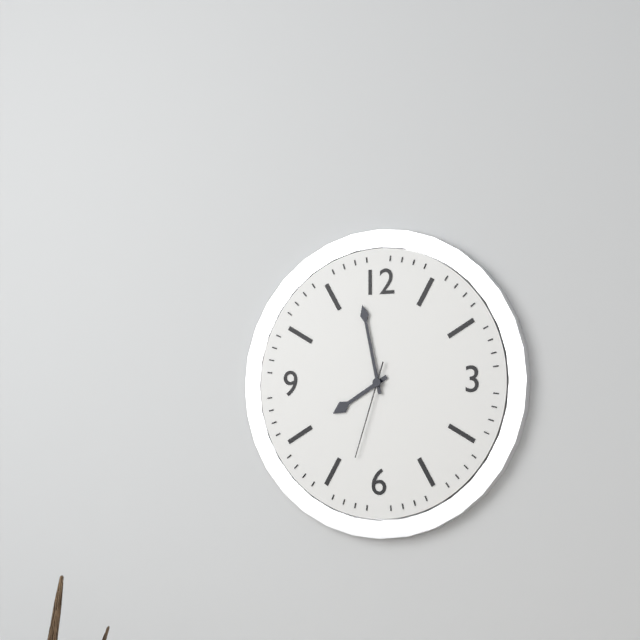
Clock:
7 h 58 min 33 s
